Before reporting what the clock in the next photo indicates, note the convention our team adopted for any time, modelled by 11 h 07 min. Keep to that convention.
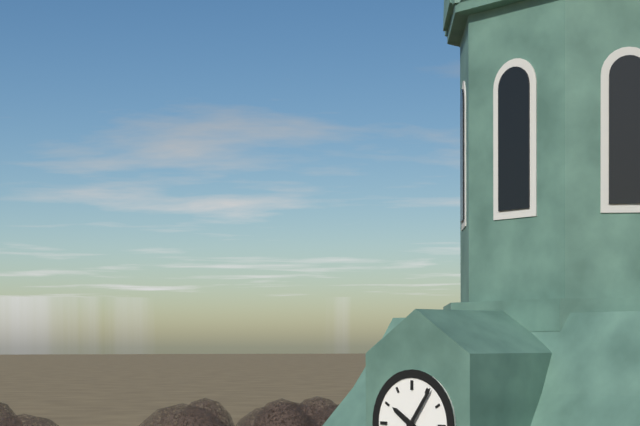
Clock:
10 h 06 min
